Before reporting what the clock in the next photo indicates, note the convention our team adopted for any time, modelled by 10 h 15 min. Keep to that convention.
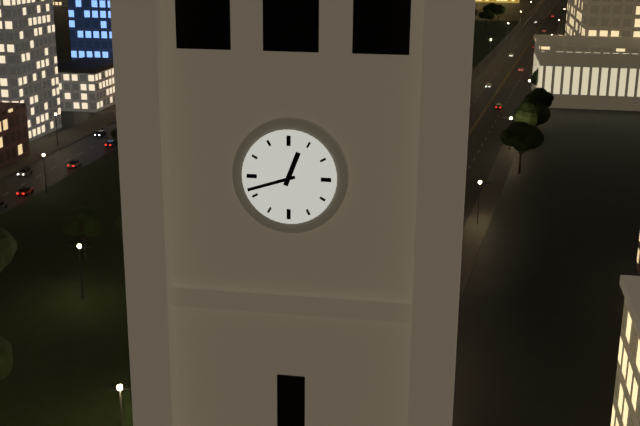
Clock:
12 h 42 min
